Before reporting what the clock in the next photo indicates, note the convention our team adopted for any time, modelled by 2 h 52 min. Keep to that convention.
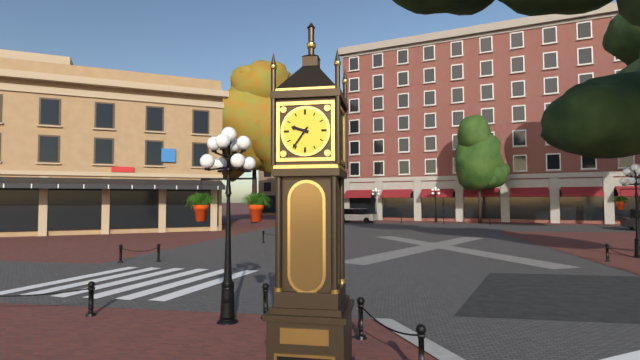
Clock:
9 h 36 min
